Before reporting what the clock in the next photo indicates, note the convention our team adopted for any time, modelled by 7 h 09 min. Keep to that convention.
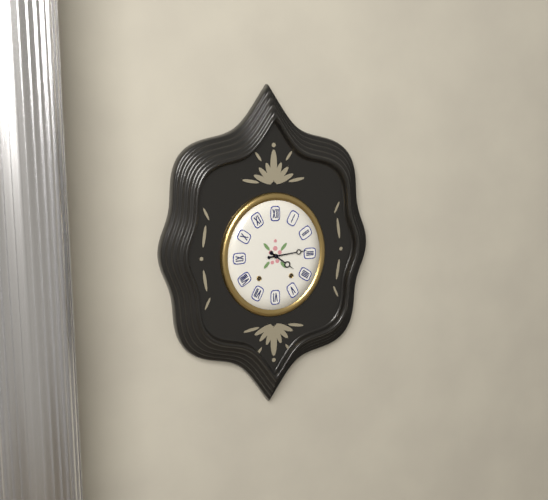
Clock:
4 h 14 min
